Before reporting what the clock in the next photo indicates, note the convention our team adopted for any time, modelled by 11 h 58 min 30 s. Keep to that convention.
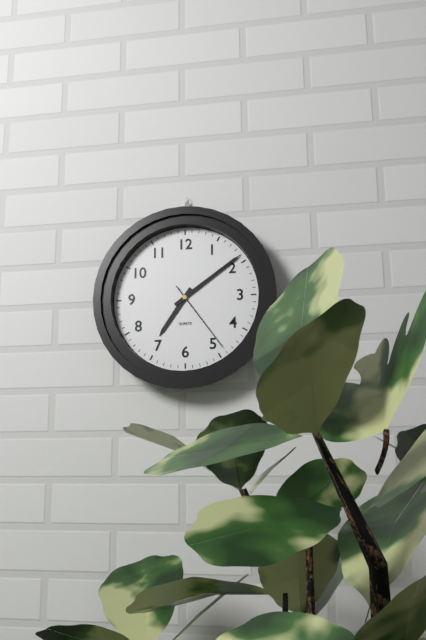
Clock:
7 h 09 min 24 s
